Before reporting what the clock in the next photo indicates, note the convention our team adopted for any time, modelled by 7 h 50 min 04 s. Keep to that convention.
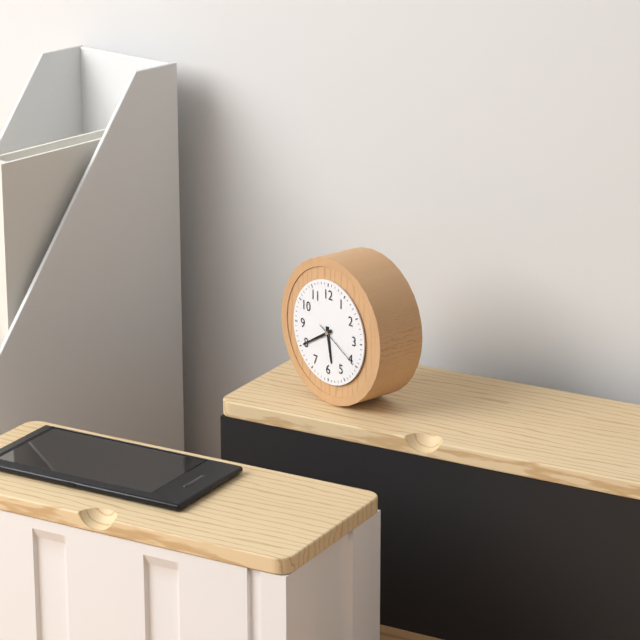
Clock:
5 h 40 min 20 s
